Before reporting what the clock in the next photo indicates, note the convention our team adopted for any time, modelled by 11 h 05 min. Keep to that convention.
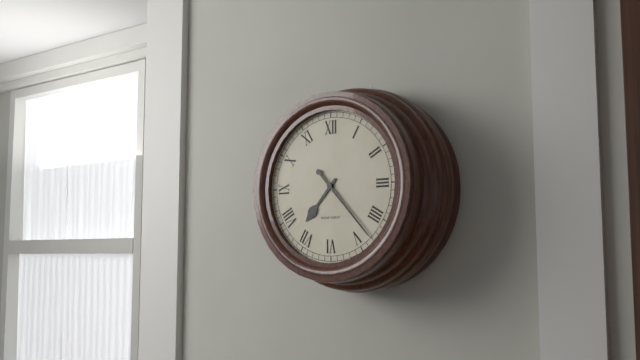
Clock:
7 h 23 min
